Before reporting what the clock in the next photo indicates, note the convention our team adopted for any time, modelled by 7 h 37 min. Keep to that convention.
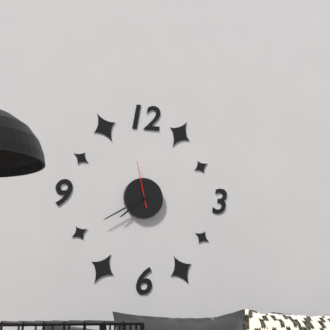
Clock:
7 h 40 min
